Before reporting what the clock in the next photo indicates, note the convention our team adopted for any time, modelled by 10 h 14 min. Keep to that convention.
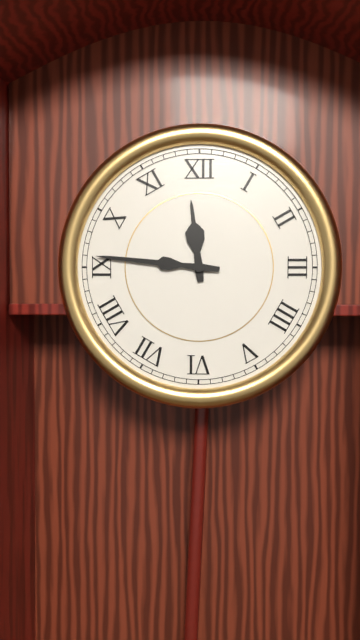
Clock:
11 h 46 min
